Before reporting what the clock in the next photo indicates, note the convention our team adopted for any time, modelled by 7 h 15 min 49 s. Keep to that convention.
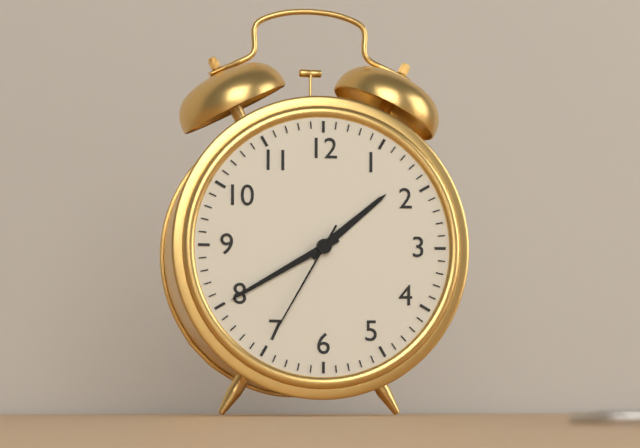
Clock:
1 h 40 min 35 s
